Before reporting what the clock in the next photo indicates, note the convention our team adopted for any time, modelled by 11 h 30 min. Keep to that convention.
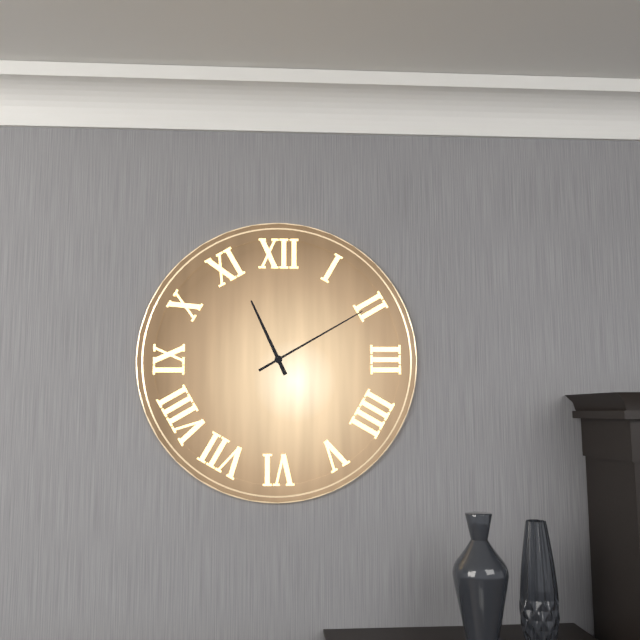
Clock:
11 h 10 min
